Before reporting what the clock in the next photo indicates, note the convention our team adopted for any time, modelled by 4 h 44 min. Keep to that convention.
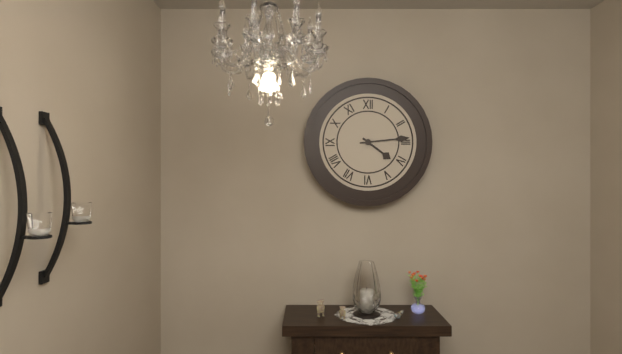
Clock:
4 h 14 min
